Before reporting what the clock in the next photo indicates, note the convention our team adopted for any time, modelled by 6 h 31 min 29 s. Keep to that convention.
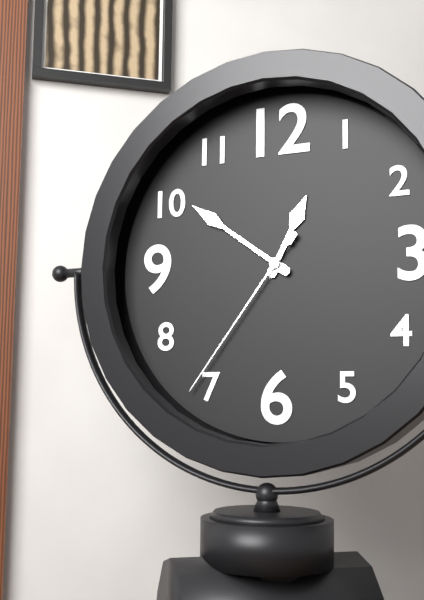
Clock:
12 h 51 min 36 s
